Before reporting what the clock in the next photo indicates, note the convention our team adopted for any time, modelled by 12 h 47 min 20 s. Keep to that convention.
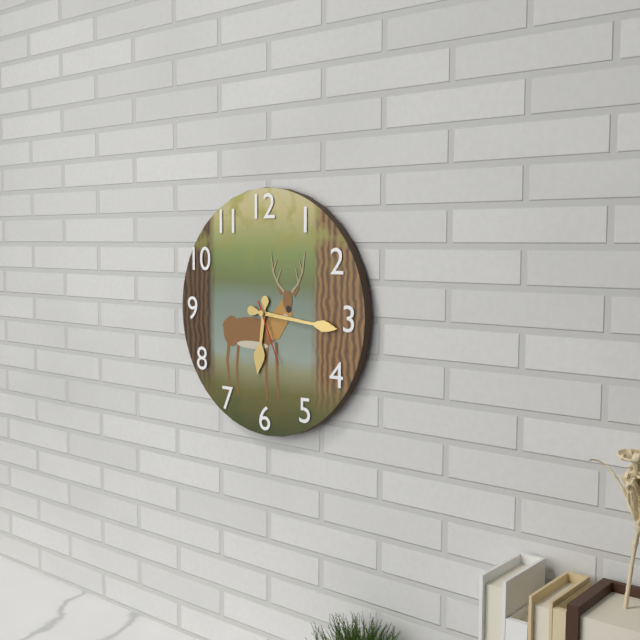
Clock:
6 h 16 min 26 s
